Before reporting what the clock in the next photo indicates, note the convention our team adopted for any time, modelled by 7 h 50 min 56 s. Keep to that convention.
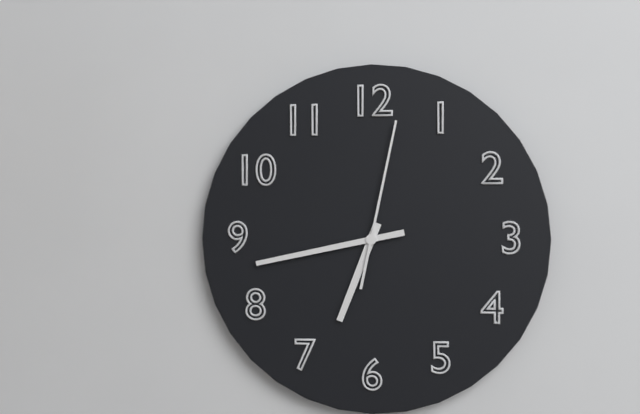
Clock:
6 h 43 min 02 s
